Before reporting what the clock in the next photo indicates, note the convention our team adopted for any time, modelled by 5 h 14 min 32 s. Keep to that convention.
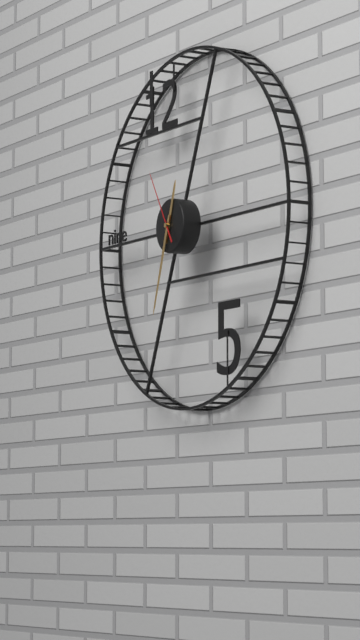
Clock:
12 h 33 min 55 s
